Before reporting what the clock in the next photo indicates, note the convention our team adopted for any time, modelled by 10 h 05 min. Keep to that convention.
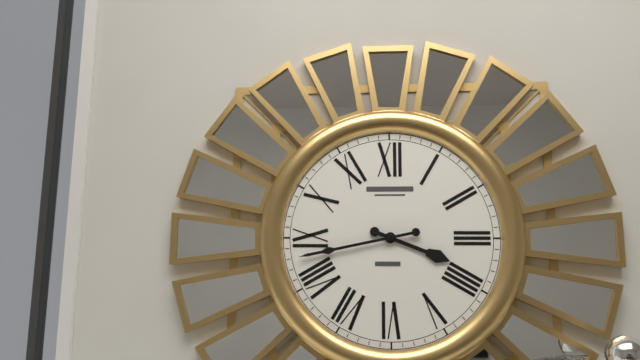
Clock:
3 h 43 min
